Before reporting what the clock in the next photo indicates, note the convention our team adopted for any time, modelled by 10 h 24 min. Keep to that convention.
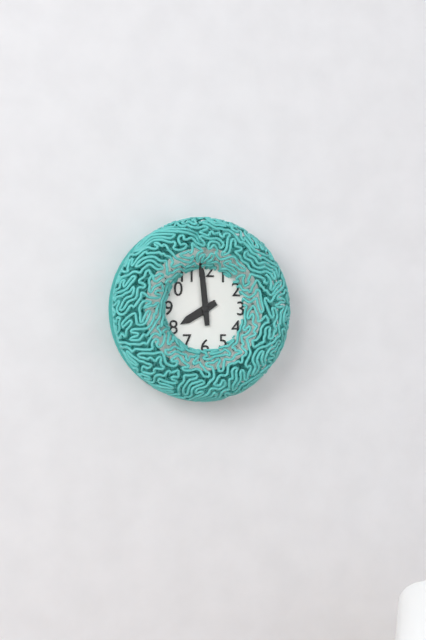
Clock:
7 h 59 min
